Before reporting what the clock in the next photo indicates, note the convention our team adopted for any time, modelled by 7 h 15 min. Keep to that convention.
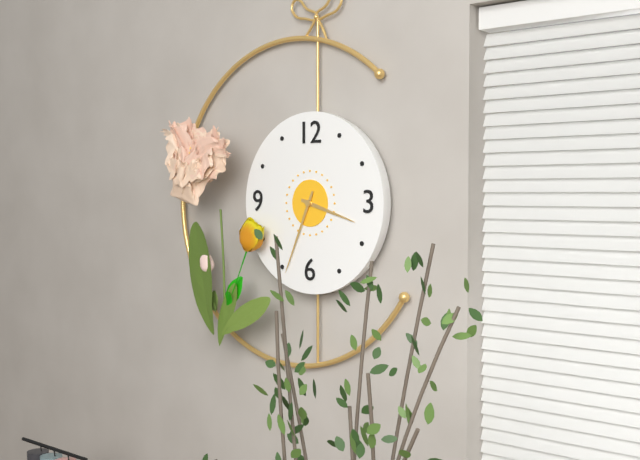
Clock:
3 h 34 min
